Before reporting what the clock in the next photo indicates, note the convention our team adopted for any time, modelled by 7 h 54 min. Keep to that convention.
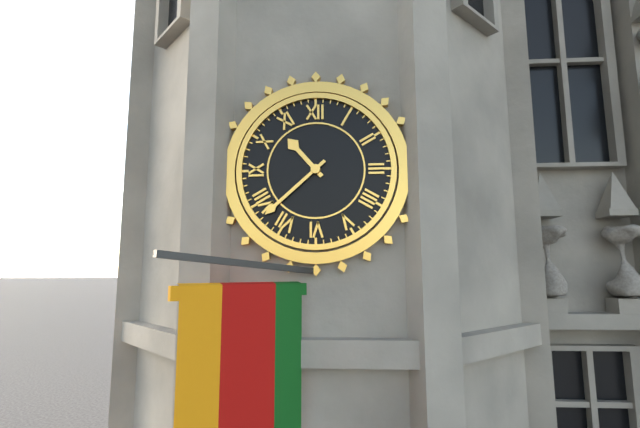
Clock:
10 h 38 min
